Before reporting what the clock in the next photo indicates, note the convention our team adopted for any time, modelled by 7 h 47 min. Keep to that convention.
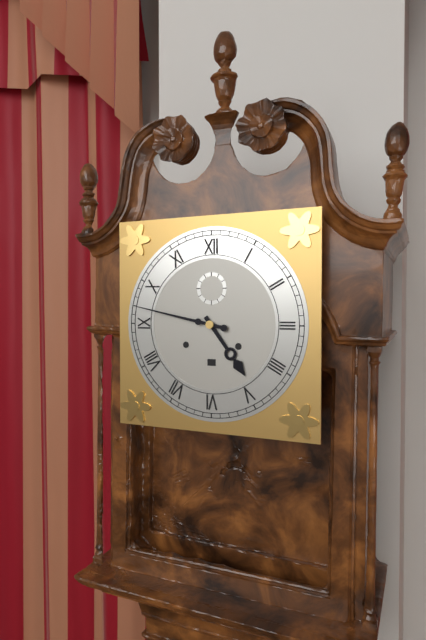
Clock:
4 h 47 min
